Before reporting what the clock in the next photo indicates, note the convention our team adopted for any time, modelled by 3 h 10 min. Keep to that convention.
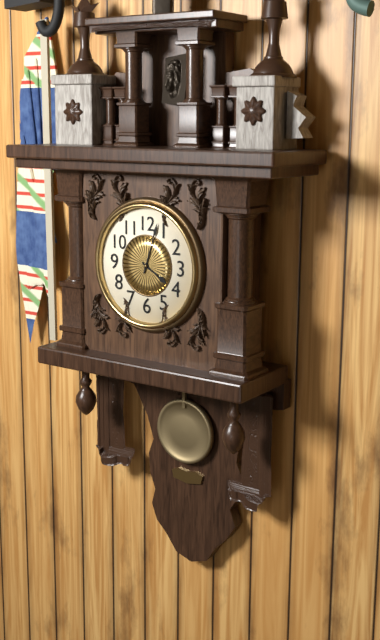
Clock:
4 h 03 min
